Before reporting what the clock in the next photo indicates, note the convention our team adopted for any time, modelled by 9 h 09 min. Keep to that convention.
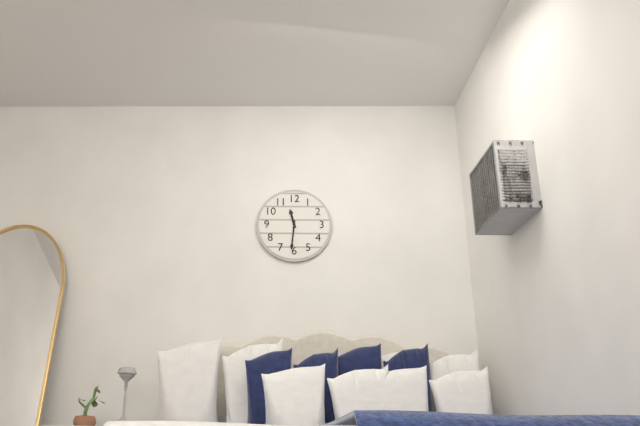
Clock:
11 h 31 min
